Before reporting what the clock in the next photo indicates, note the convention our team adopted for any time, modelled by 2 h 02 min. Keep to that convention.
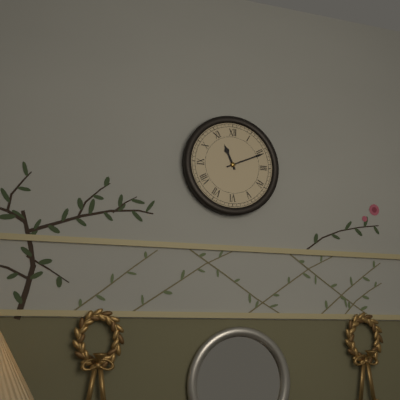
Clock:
11 h 11 min
